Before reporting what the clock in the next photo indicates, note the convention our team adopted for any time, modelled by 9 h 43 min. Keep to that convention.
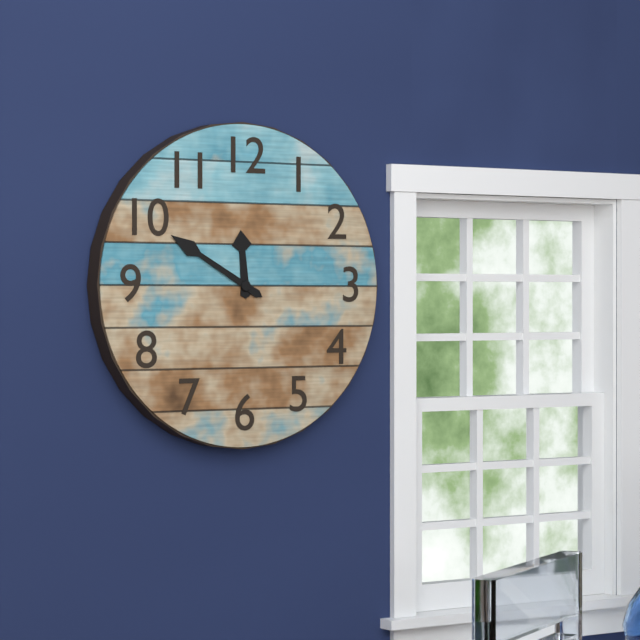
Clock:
11 h 50 min
